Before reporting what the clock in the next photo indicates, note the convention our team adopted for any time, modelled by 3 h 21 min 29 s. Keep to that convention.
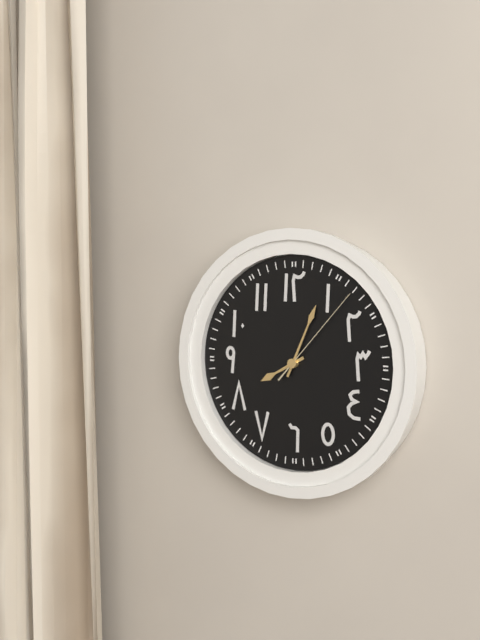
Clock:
8 h 04 min 07 s
